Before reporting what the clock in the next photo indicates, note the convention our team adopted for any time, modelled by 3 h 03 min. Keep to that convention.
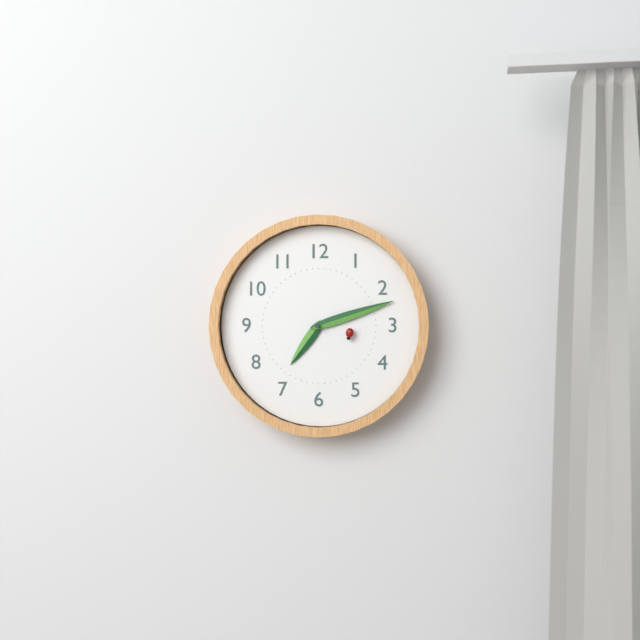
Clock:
7 h 12 min
